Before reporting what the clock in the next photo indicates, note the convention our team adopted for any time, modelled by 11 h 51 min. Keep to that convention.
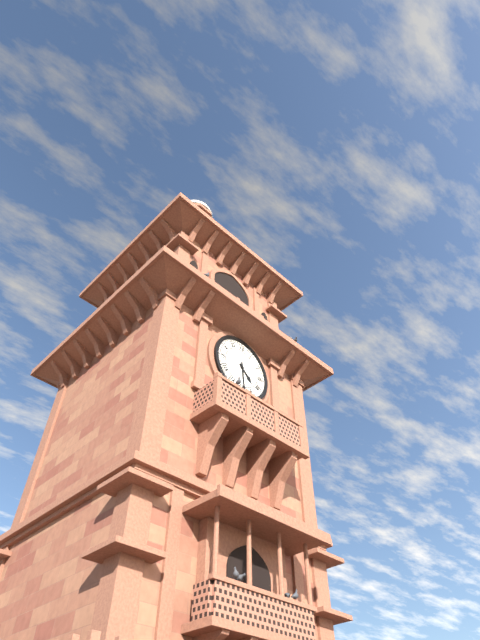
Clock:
4 h 29 min
